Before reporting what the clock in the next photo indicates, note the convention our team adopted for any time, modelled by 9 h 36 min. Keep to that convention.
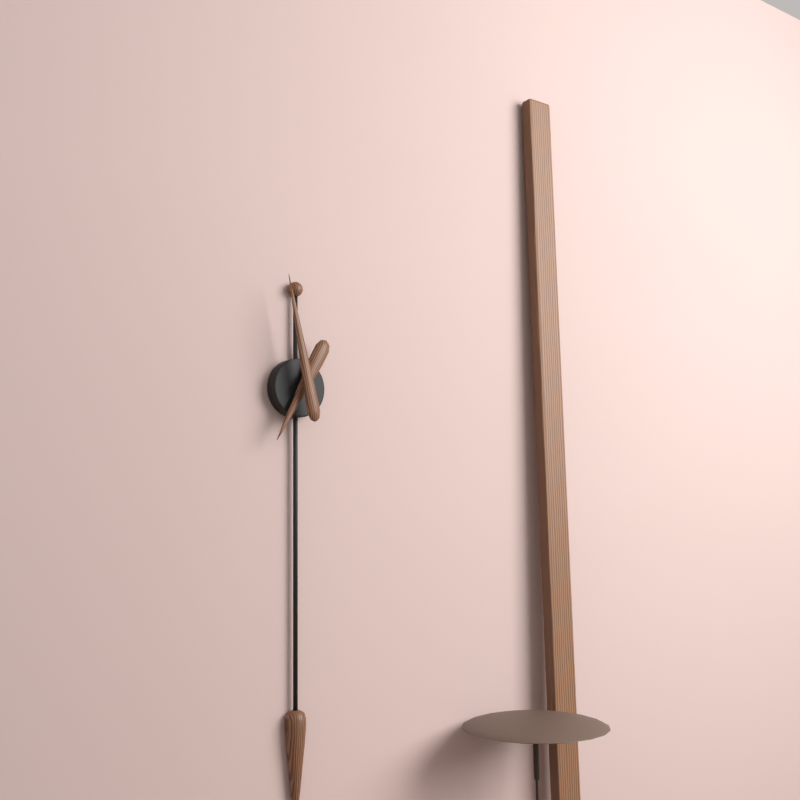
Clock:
6 h 58 min
